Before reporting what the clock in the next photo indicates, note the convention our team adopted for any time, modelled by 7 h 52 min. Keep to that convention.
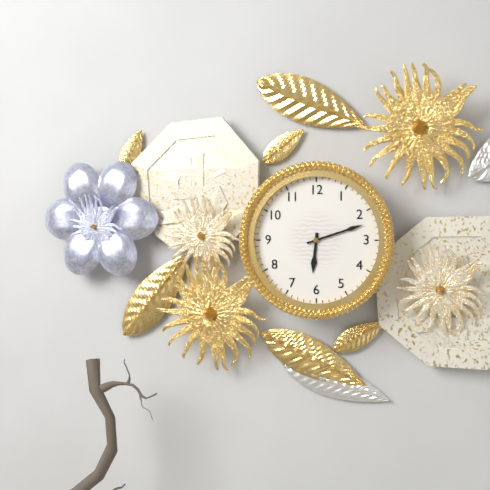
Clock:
6 h 12 min
